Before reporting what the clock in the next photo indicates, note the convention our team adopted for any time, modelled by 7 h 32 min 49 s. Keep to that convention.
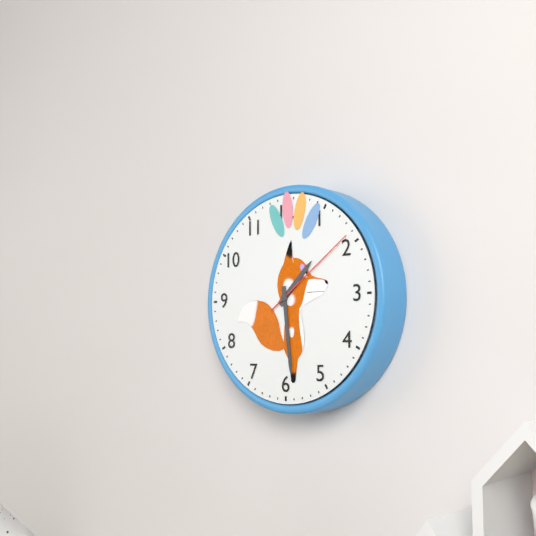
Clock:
1 h 29 min 09 s
